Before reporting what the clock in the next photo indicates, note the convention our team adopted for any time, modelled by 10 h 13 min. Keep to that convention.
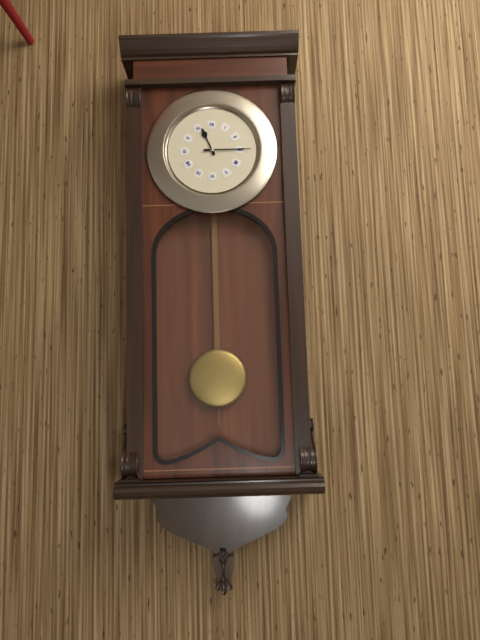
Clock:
11 h 15 min
